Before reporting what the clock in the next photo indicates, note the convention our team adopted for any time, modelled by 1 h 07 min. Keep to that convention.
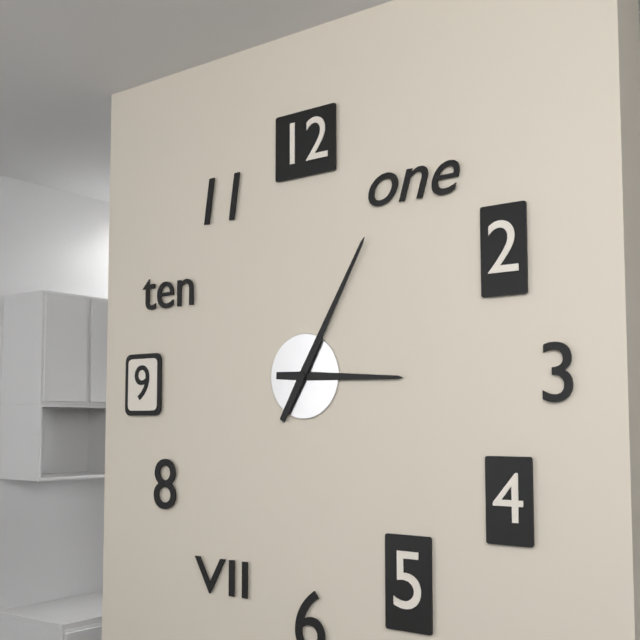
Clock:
3 h 05 min
